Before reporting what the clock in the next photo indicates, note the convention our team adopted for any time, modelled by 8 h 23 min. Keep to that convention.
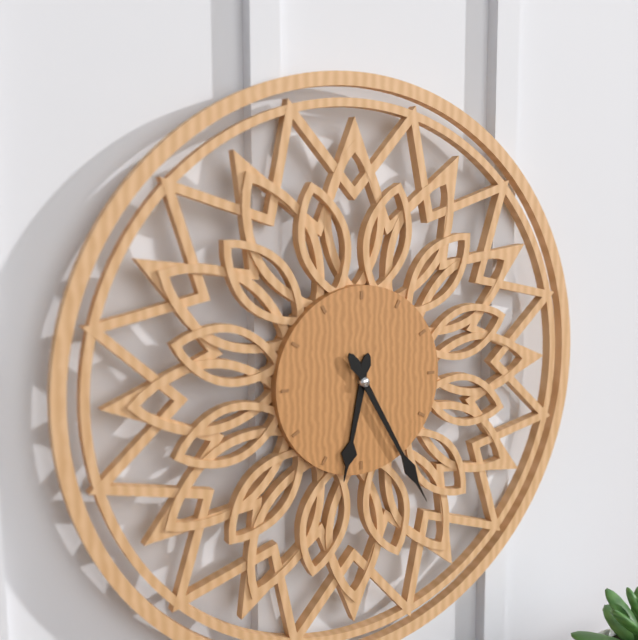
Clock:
6 h 25 min
